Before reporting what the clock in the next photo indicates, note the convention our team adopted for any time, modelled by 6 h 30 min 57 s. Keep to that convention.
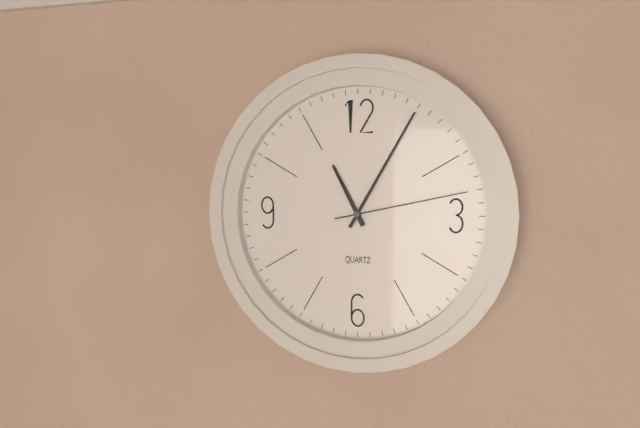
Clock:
11 h 05 min 13 s
